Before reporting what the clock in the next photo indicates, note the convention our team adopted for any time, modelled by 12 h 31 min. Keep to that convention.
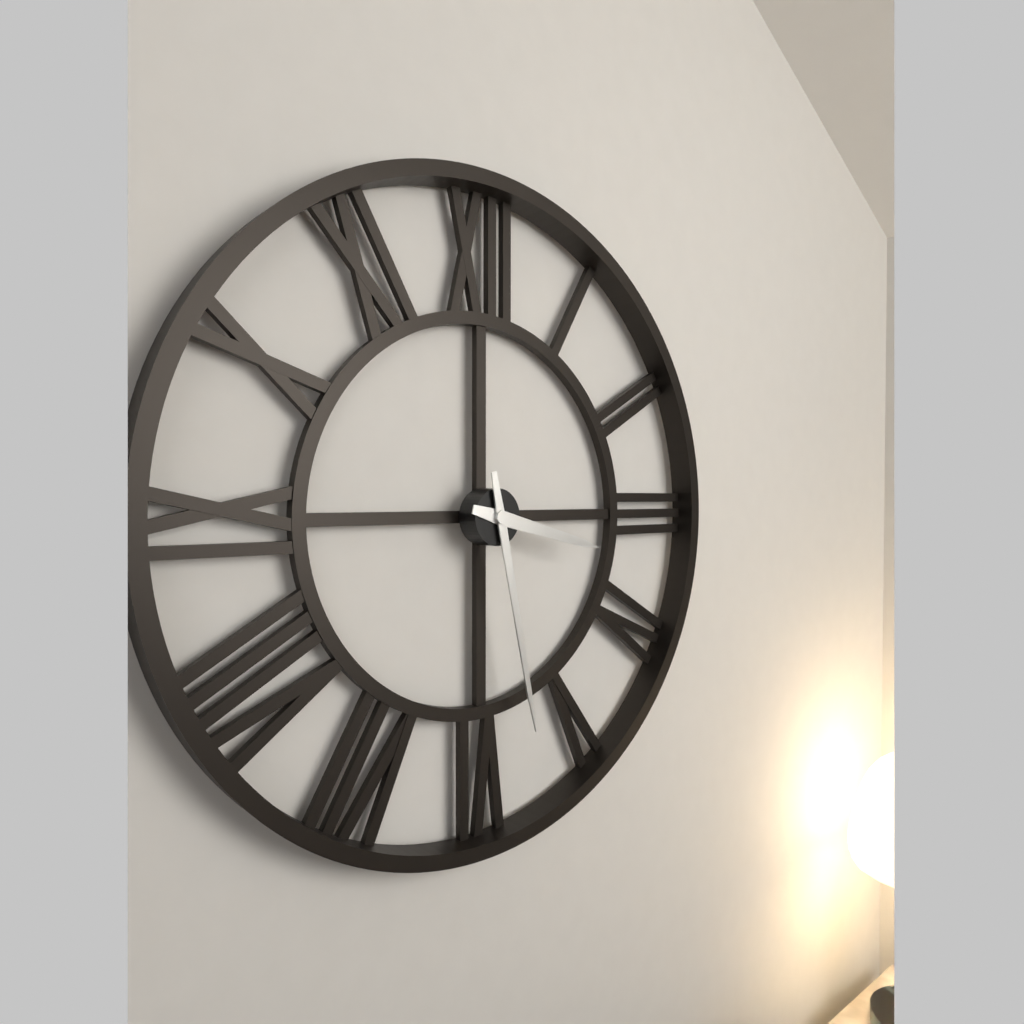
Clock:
3 h 28 min
